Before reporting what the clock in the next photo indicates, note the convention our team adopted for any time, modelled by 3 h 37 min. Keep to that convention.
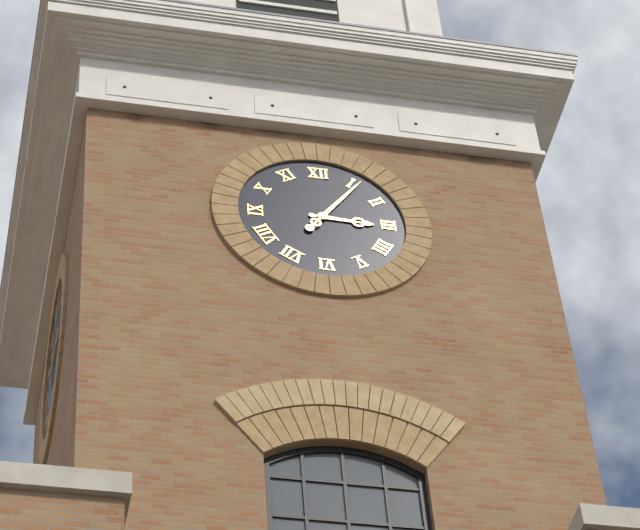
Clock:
3 h 06 min
